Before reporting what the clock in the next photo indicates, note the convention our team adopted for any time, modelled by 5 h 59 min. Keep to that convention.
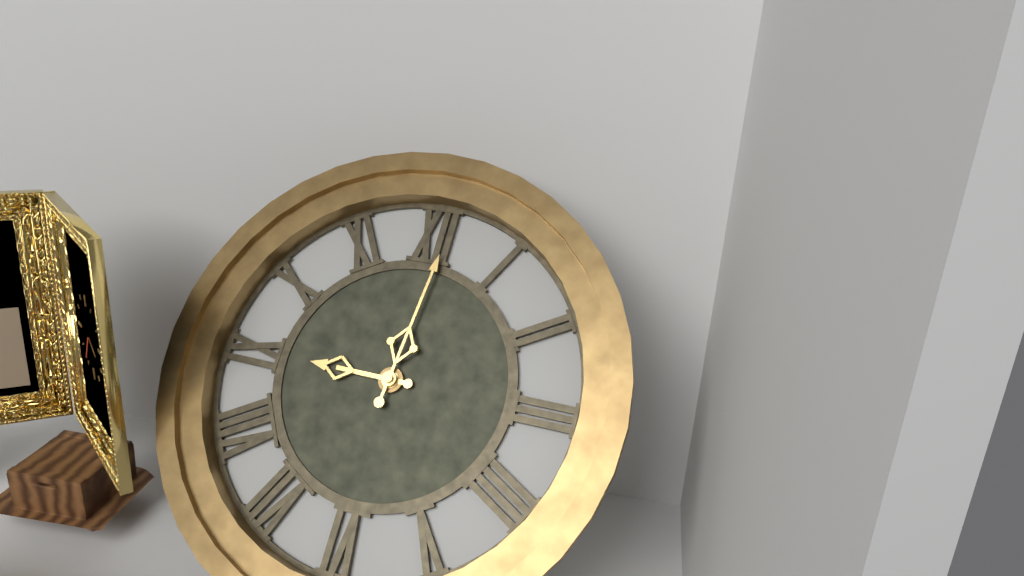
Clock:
9 h 01 min
